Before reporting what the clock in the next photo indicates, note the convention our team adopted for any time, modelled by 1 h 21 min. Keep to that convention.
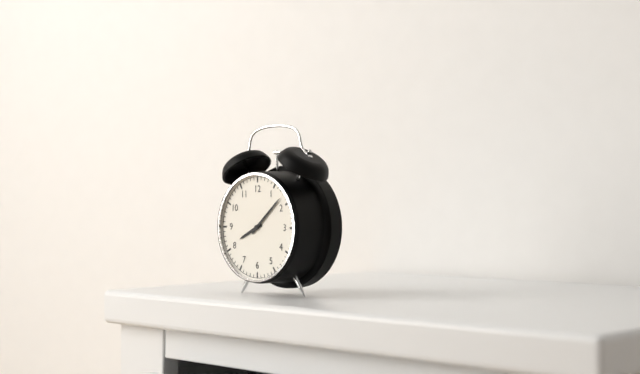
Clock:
8 h 08 min
